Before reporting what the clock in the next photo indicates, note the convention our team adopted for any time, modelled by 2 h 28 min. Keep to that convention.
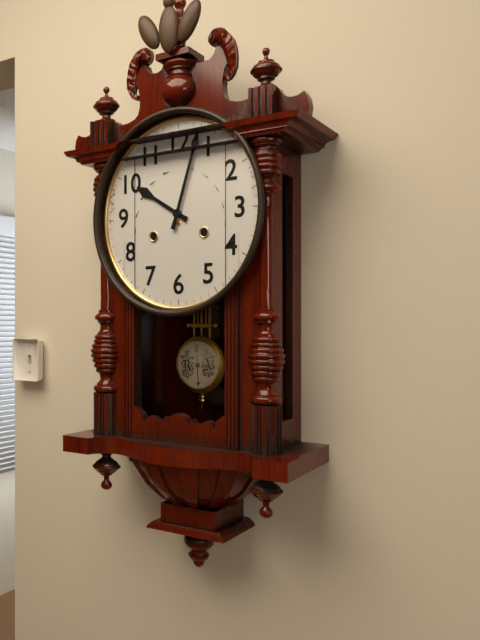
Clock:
10 h 03 min
